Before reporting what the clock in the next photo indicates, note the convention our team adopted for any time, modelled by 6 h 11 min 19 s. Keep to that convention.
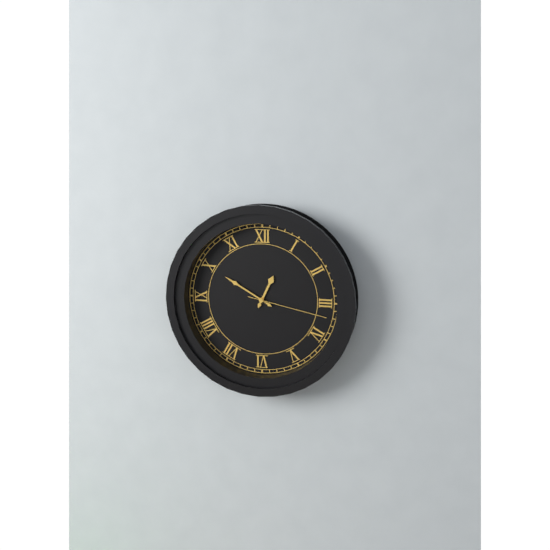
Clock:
12 h 50 min 17 s
